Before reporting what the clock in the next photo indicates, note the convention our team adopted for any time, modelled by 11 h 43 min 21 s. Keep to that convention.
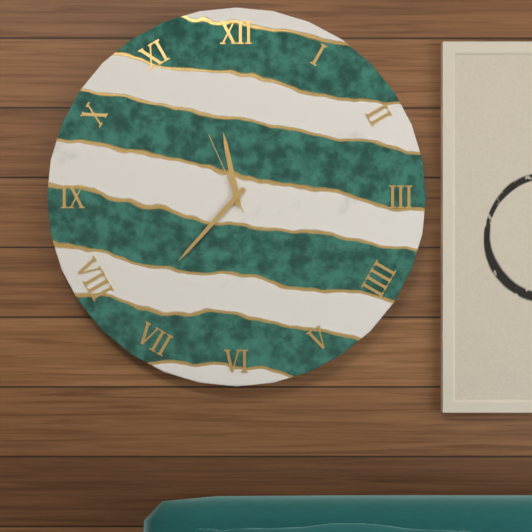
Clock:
11 h 37 min 56 s
